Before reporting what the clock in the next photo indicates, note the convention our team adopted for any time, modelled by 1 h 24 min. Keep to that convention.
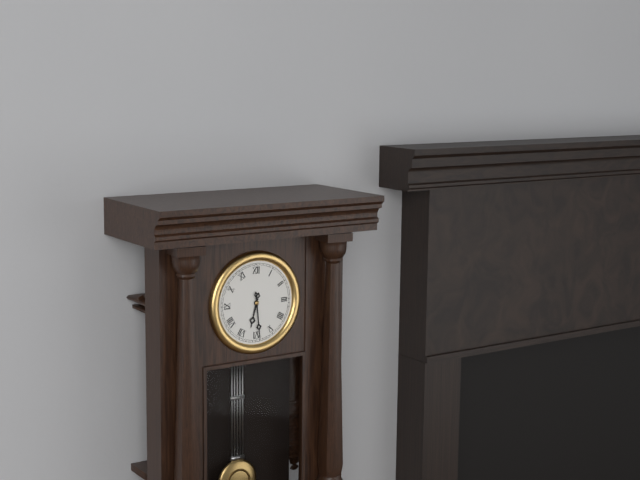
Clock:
6 h 29 min
